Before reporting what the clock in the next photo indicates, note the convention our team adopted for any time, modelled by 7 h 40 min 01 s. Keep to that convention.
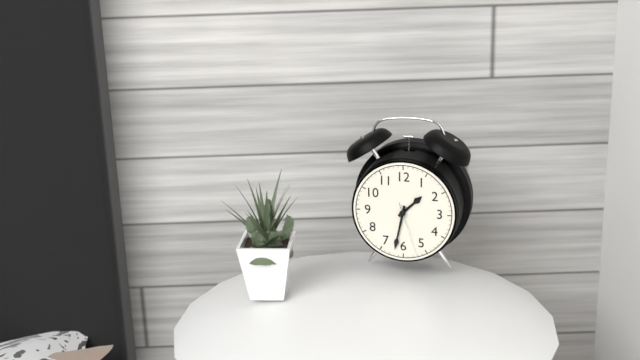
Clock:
1 h 32 min 27 s
